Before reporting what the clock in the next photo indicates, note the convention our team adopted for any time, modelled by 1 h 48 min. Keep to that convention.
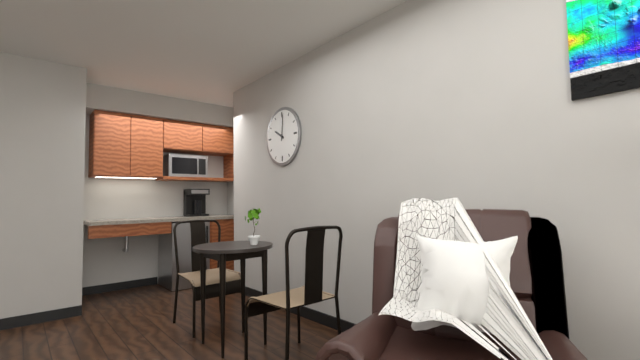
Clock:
10 h 01 min
